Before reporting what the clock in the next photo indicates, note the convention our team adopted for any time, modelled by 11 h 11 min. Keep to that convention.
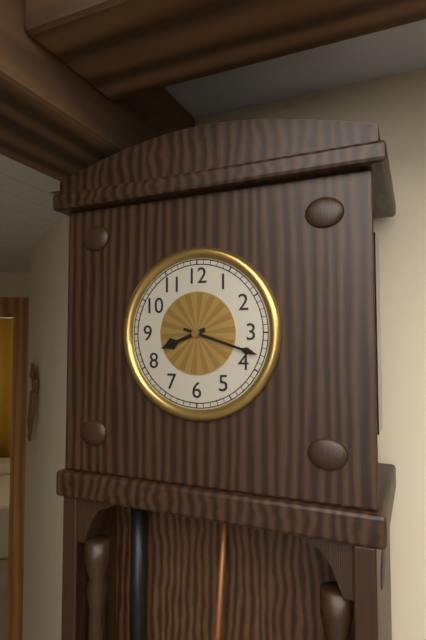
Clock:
8 h 18 min
